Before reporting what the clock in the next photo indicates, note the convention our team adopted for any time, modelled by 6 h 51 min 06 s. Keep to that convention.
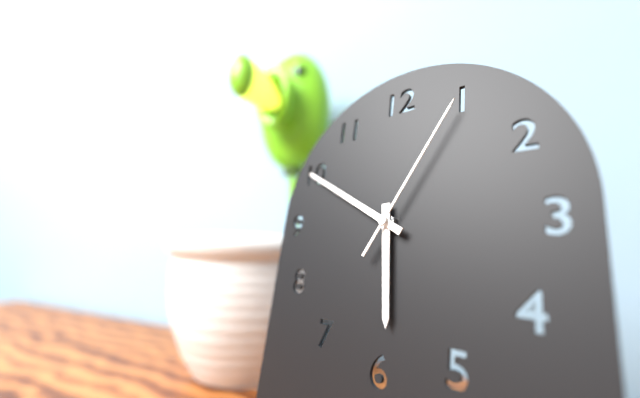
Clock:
5 h 50 min 05 s
